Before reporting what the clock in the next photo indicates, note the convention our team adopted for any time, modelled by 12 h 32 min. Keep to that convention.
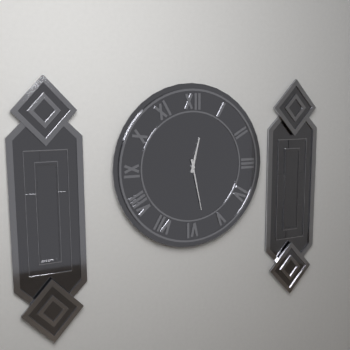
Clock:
12 h 28 min
